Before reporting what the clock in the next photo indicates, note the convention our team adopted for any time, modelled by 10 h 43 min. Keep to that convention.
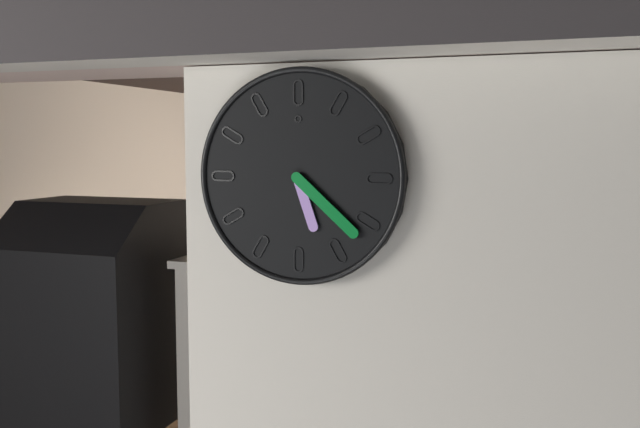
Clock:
5 h 22 min
